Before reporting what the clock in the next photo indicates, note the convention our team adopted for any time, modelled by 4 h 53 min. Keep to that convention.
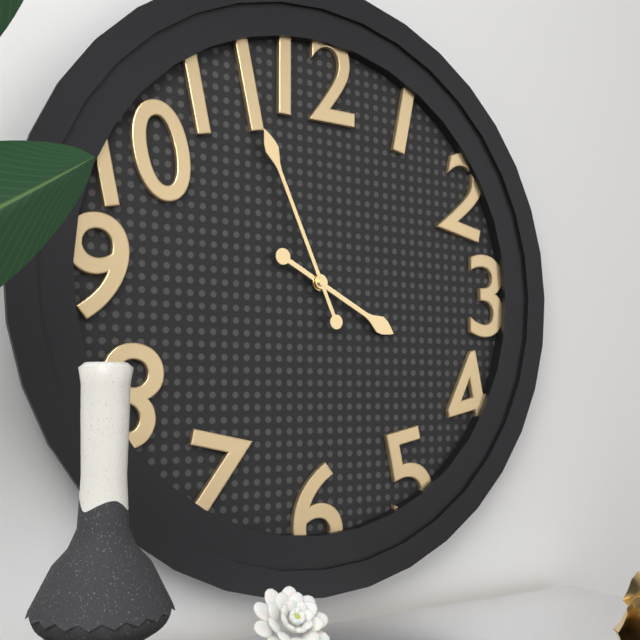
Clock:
3 h 56 min
